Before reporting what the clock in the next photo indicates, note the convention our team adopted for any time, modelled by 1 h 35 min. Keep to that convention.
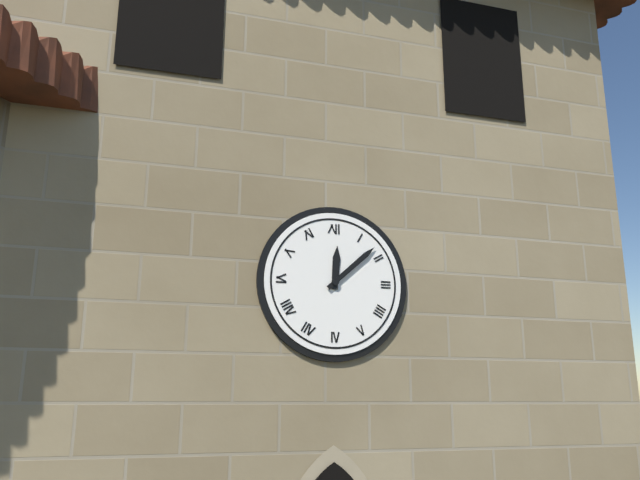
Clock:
12 h 08 min
